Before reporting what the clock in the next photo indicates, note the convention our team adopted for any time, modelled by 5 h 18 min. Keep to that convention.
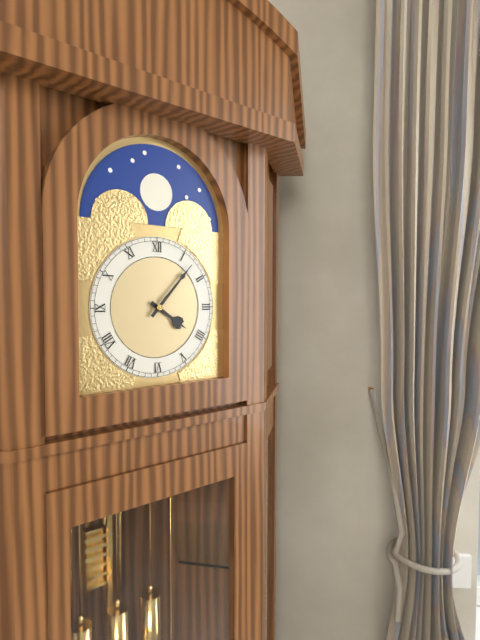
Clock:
4 h 07 min
